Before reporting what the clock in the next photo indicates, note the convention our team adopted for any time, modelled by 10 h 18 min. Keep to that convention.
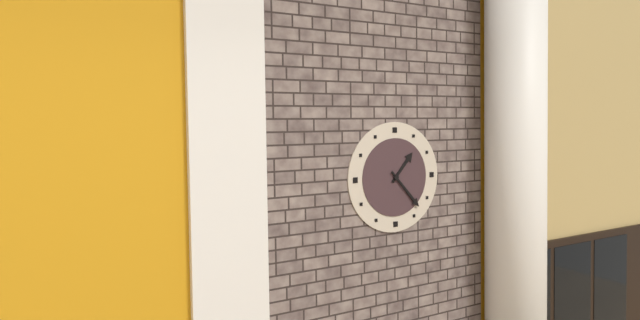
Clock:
1 h 23 min
